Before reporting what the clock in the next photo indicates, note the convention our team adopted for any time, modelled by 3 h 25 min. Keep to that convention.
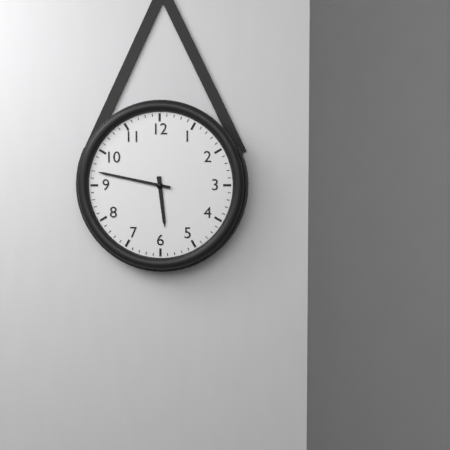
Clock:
5 h 47 min
